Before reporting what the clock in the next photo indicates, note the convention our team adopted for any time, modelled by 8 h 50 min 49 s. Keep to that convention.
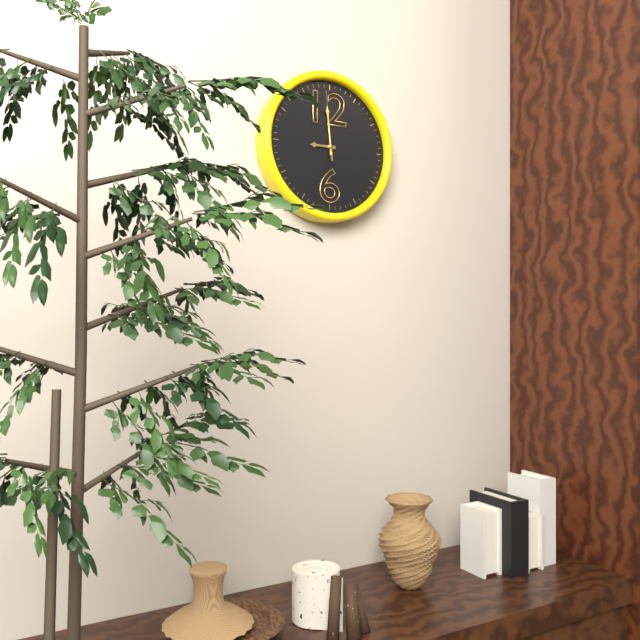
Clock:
8 h 59 min 59 s
